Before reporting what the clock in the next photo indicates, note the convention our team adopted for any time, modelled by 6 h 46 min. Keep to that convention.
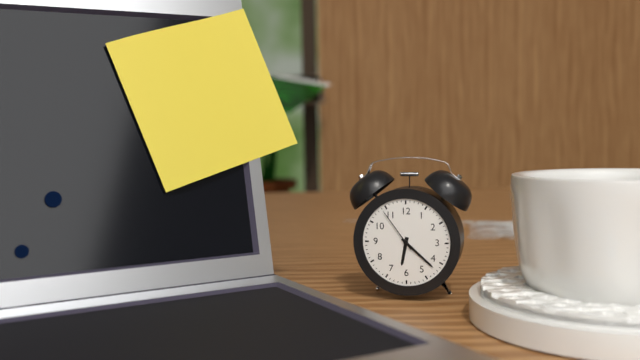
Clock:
6 h 22 min
